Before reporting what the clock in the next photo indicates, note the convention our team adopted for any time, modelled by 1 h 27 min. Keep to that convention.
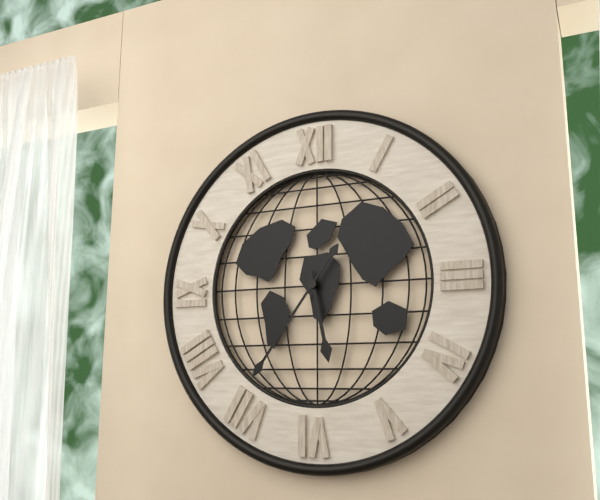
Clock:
5 h 36 min
